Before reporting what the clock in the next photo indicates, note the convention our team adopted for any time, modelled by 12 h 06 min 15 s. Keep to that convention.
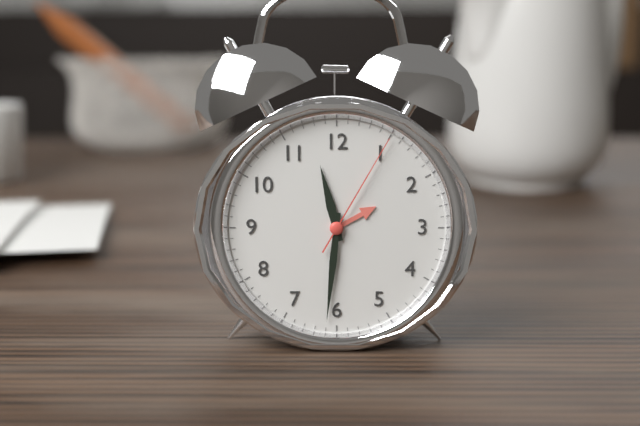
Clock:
11 h 31 min 05 s
